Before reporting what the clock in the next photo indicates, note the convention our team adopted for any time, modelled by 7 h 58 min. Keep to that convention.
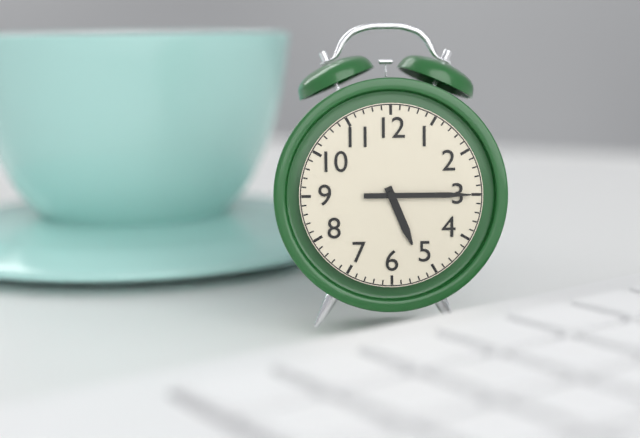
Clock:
5 h 15 min
